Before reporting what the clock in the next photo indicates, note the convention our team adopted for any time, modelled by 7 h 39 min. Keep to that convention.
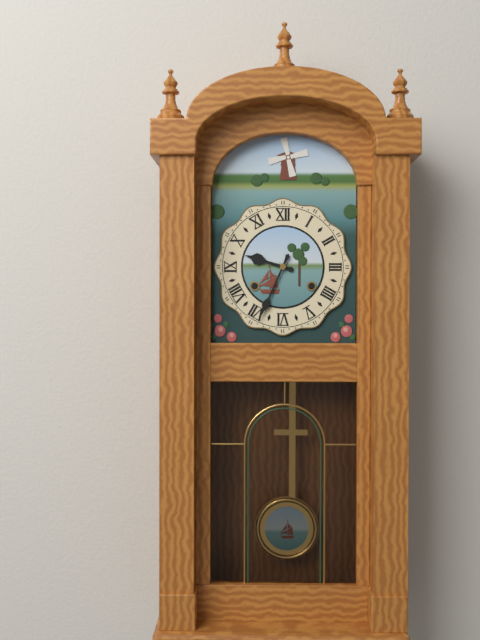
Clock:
9 h 34 min
